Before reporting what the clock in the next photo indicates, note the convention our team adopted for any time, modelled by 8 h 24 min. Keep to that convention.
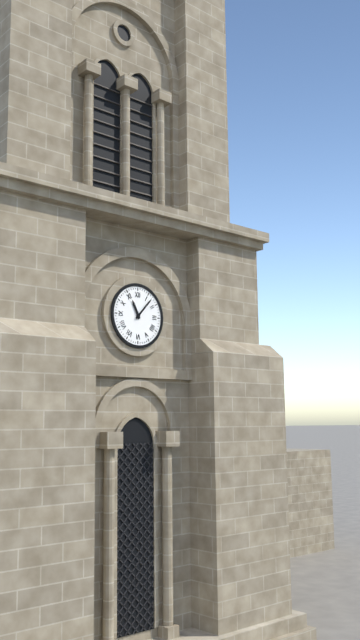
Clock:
11 h 07 min
